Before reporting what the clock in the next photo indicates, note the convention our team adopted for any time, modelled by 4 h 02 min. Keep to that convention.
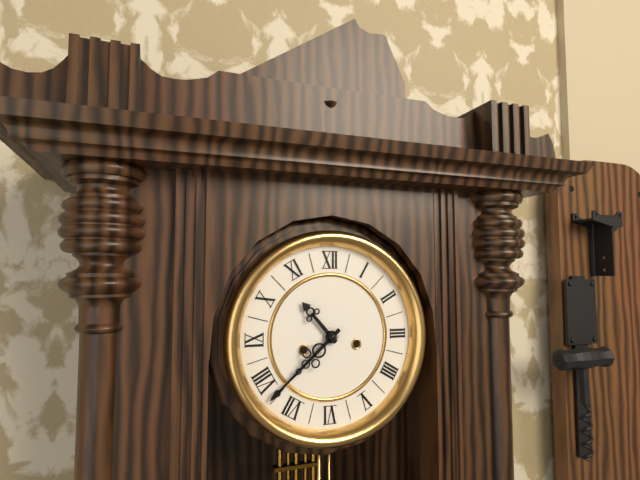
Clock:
10 h 38 min
